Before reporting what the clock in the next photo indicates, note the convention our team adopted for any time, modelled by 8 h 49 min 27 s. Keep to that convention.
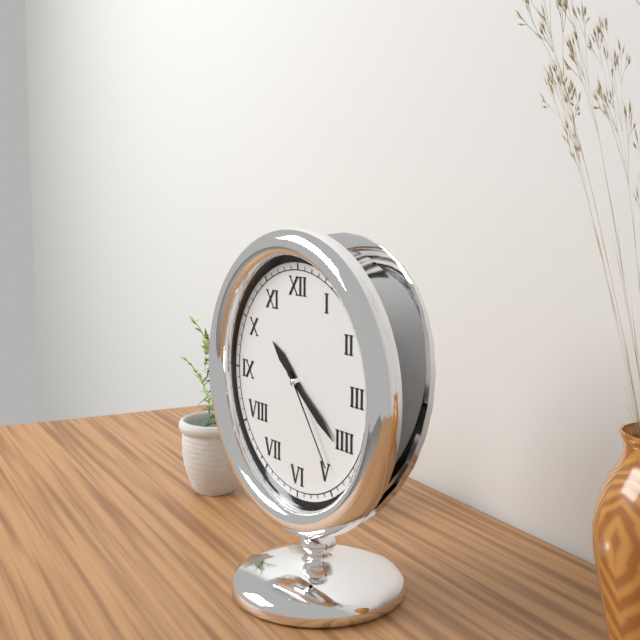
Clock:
10 h 21 min 24 s
